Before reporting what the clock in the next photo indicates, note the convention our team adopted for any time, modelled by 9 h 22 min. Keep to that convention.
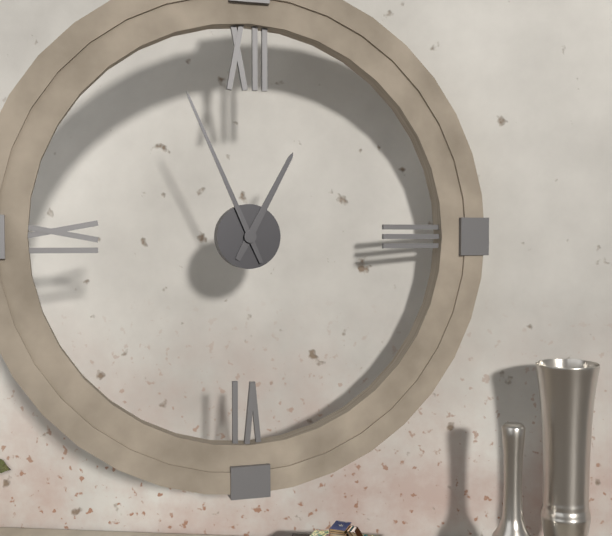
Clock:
12 h 56 min
